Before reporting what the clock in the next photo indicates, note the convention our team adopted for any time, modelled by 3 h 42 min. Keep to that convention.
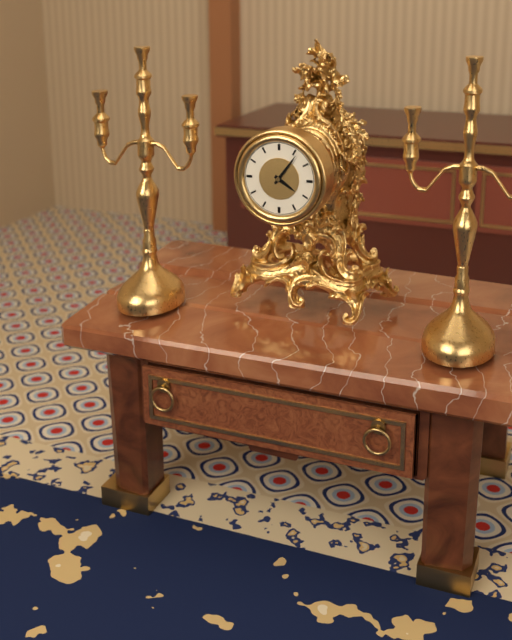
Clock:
4 h 06 min
